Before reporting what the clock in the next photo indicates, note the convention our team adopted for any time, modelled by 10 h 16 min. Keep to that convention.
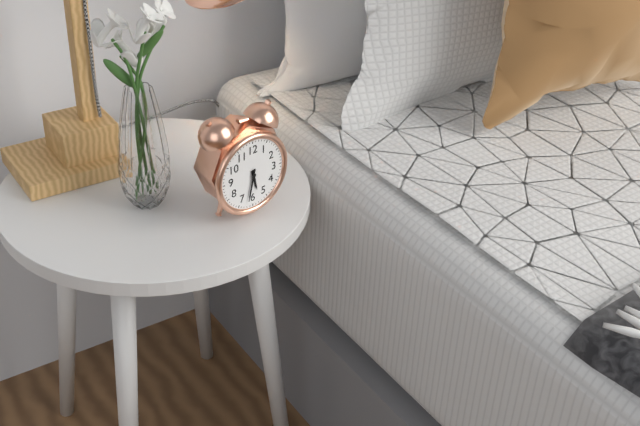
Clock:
5 h 32 min
